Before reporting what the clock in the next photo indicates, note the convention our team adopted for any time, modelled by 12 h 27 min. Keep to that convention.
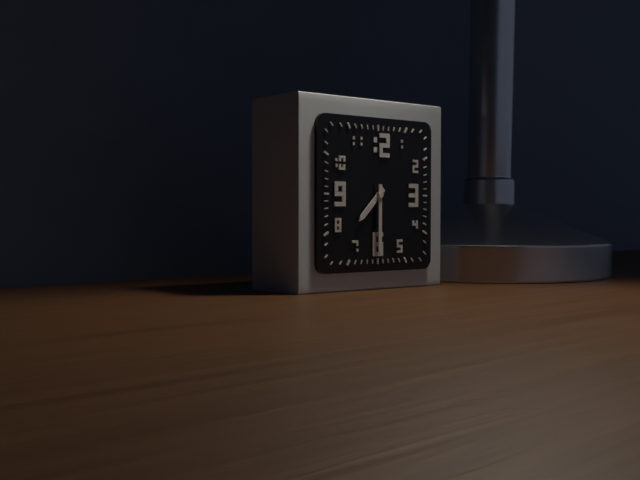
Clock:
7 h 30 min
